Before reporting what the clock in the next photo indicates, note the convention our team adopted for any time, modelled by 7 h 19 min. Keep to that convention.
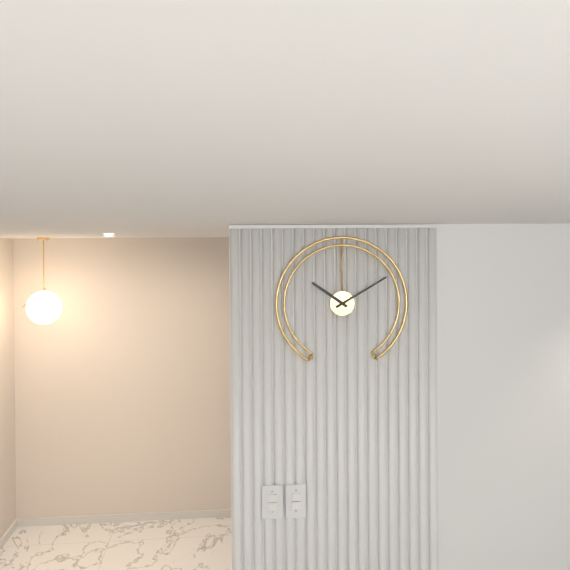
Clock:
10 h 10 min
